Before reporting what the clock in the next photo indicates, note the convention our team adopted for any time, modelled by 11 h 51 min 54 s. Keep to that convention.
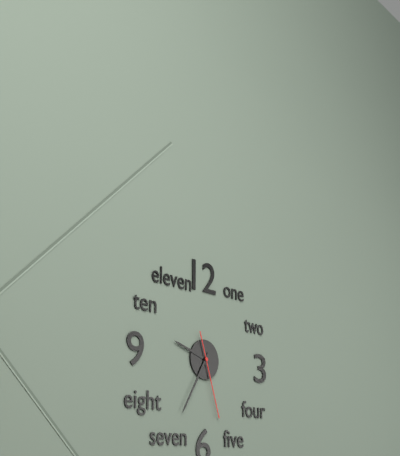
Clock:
9 h 35 min 27 s
